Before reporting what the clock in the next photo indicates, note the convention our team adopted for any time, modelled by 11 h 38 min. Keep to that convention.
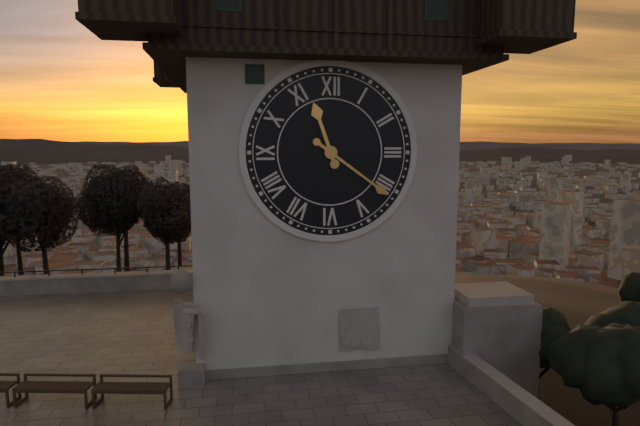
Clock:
11 h 21 min
